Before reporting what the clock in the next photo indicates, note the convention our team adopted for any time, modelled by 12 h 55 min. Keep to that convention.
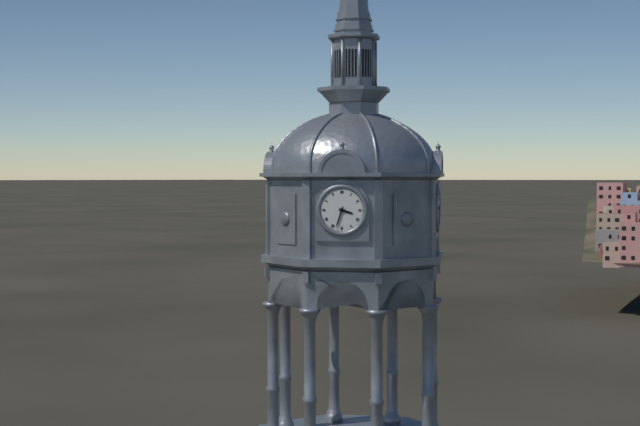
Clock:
3 h 33 min
